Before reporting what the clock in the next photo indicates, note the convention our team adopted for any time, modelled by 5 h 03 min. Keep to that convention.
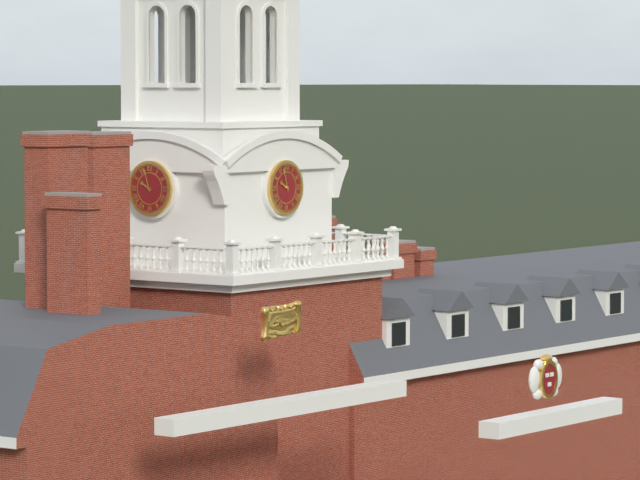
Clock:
9 h 57 min
